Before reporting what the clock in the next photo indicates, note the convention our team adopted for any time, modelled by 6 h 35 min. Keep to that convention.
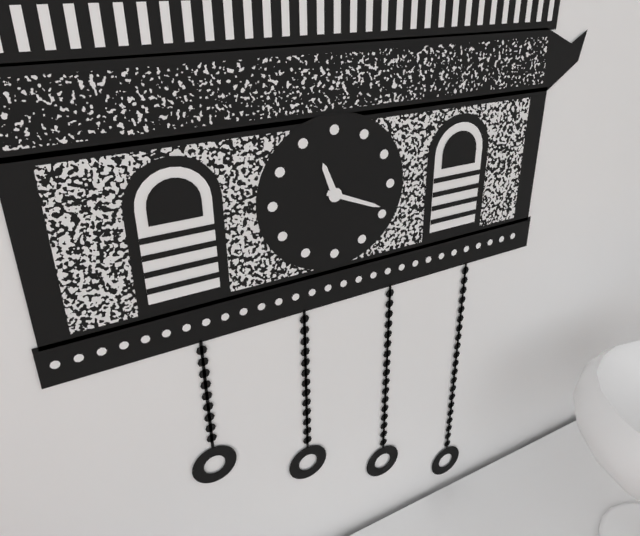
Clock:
11 h 19 min
